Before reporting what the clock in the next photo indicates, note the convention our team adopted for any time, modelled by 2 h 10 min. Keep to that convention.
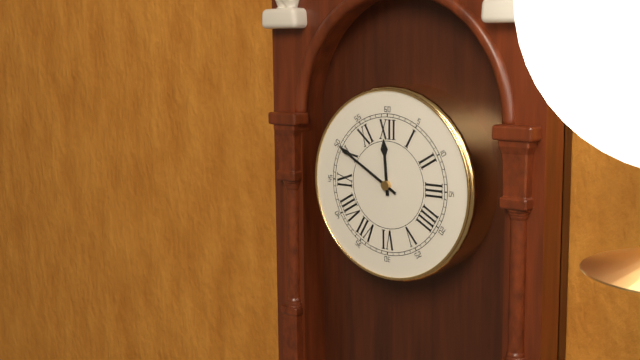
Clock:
11 h 50 min
